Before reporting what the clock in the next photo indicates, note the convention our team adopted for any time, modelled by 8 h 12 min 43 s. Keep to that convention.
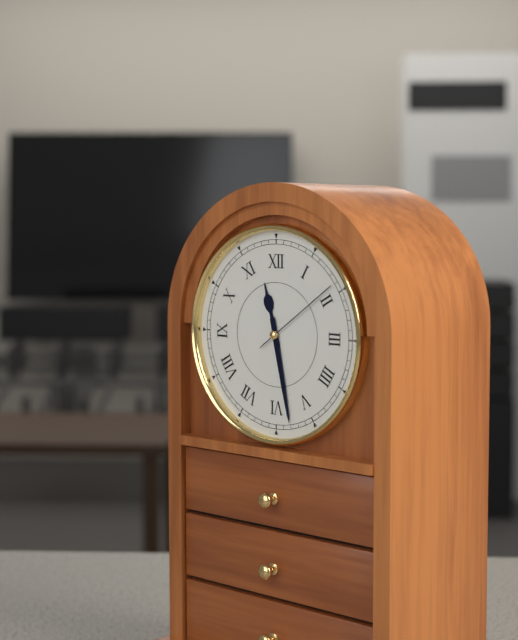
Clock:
11 h 28 min 09 s
